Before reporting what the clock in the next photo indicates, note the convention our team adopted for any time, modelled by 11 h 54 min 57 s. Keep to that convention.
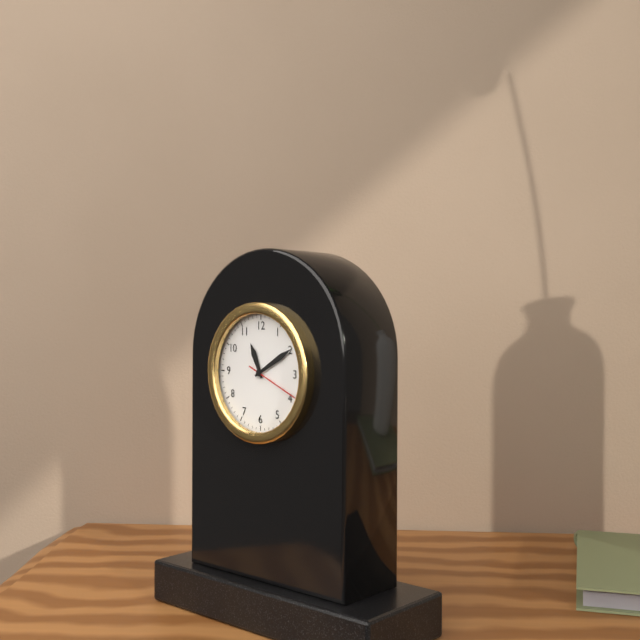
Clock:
11 h 10 min 19 s
